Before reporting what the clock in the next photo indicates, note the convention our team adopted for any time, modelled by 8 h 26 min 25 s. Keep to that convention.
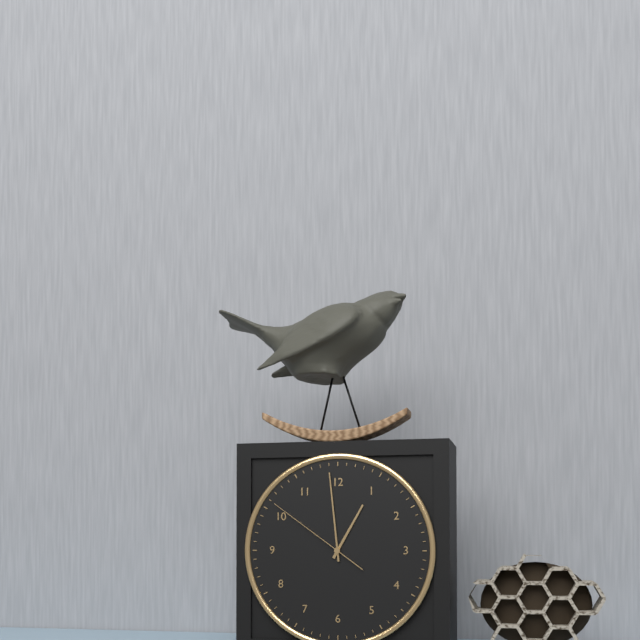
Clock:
12 h 59 min 51 s
